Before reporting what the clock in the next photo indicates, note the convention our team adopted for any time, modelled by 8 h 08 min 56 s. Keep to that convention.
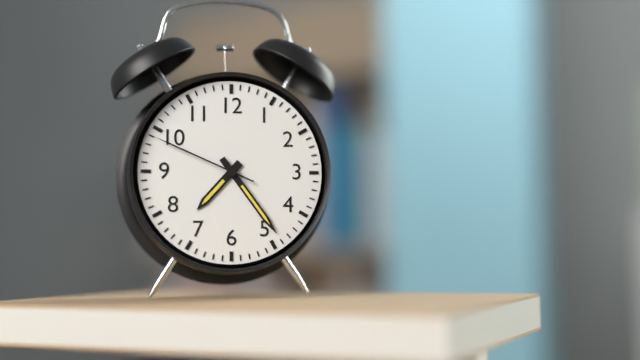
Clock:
7 h 24 min 49 s
